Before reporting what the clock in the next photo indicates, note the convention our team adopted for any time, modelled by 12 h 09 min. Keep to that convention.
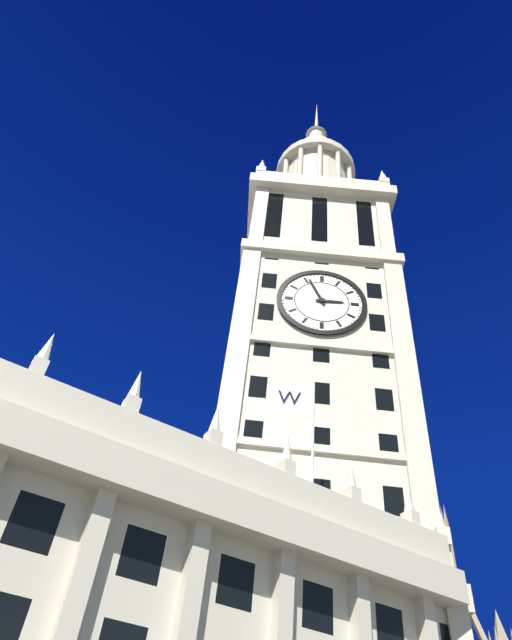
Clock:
2 h 56 min
